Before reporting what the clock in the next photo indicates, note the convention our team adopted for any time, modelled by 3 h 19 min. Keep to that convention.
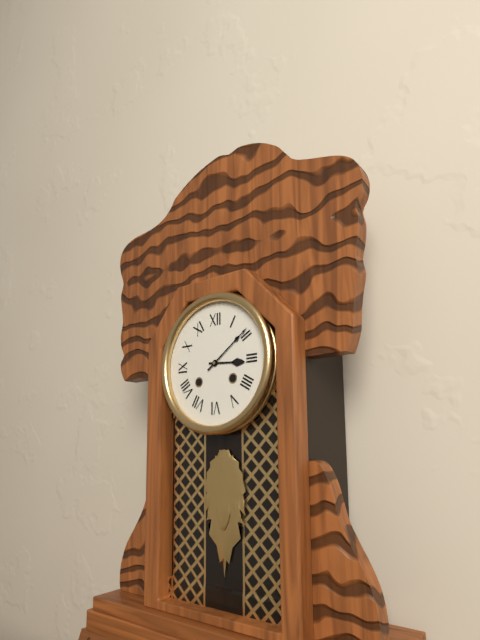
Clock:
3 h 09 min
